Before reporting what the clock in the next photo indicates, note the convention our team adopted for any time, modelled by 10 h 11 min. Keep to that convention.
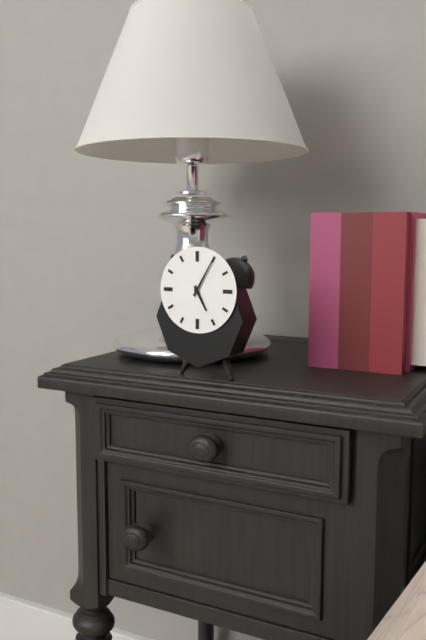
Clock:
5 h 05 min
